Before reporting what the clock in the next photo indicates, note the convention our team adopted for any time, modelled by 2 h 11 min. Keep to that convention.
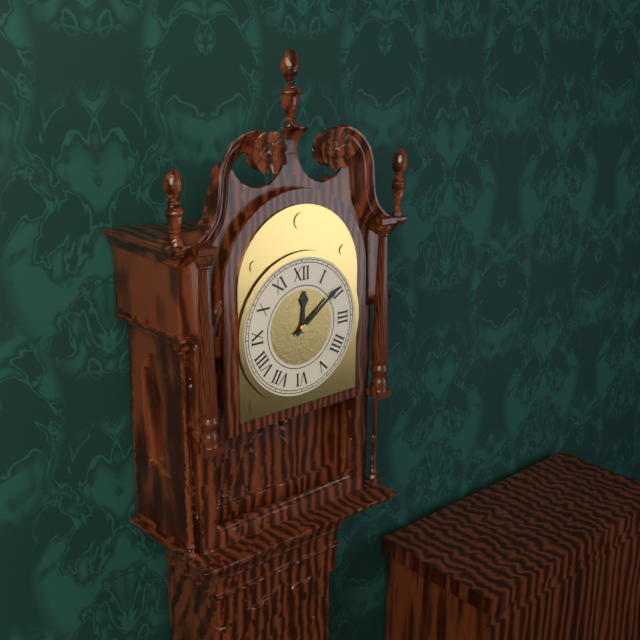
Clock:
12 h 09 min
